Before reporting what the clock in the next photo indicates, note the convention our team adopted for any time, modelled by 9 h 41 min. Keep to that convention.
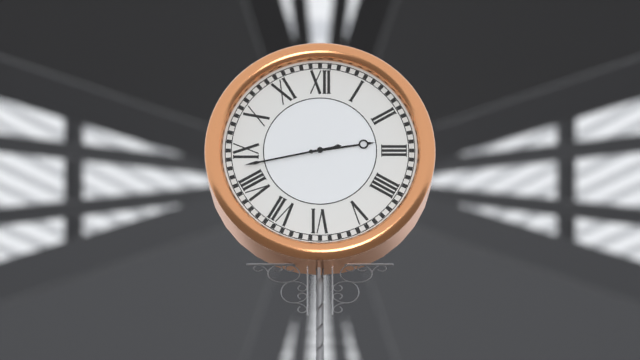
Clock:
2 h 43 min
